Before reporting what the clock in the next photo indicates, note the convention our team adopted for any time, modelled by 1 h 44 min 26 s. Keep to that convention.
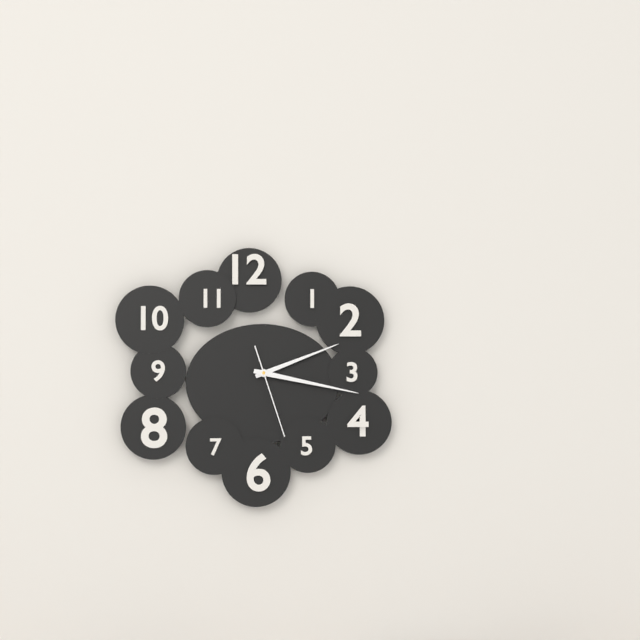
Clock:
2 h 17 min 27 s
